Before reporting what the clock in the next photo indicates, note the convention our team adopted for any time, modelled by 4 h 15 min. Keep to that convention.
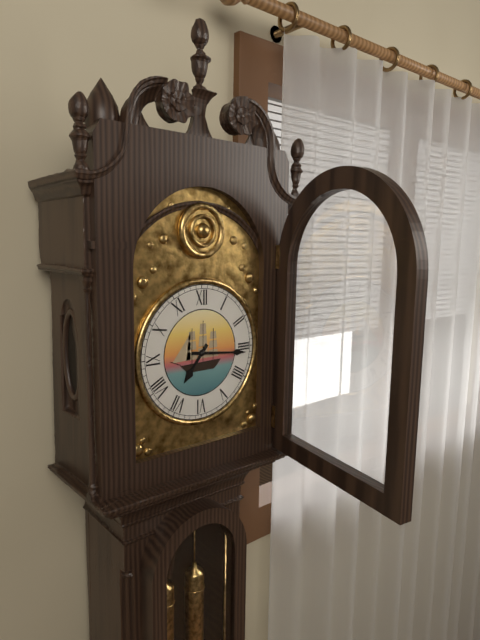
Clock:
7 h 16 min
